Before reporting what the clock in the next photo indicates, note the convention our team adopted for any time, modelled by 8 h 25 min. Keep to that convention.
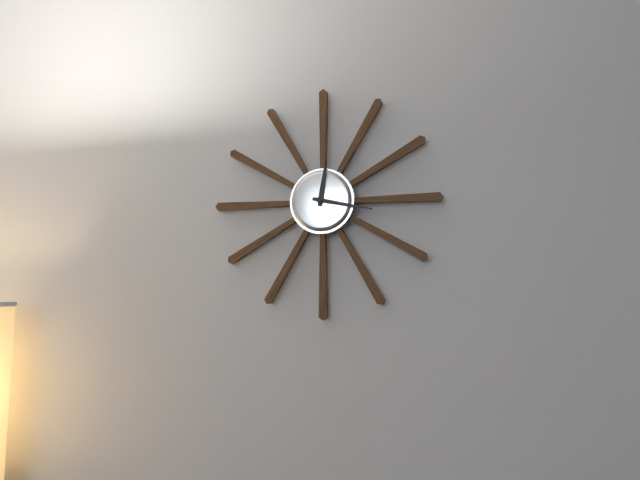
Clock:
12 h 17 min
